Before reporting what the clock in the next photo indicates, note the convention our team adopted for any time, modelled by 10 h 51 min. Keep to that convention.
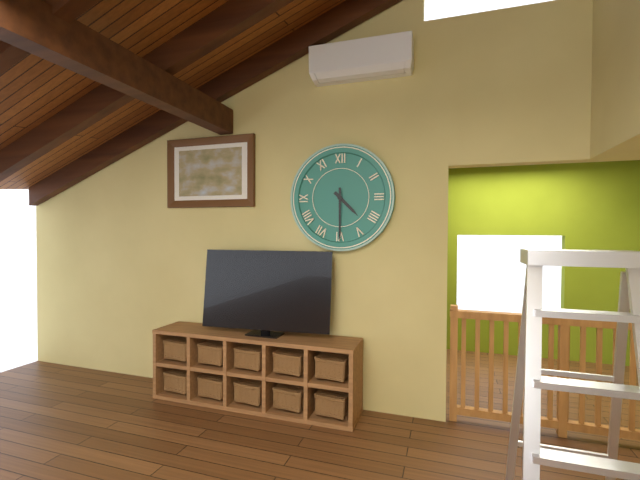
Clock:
4 h 30 min
